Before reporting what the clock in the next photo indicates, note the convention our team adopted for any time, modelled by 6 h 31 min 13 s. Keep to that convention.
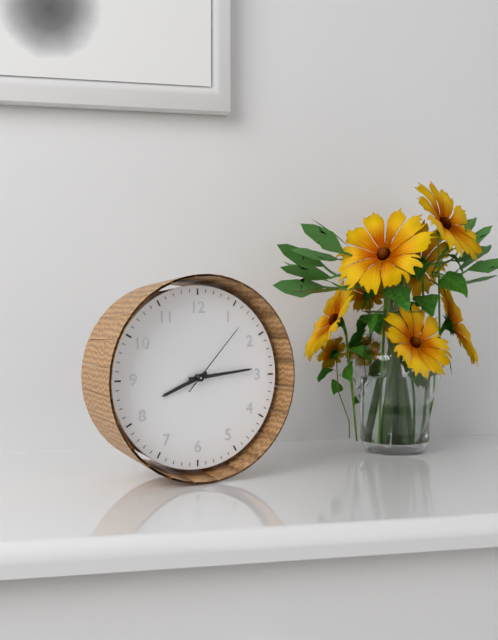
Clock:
8 h 14 min 07 s
